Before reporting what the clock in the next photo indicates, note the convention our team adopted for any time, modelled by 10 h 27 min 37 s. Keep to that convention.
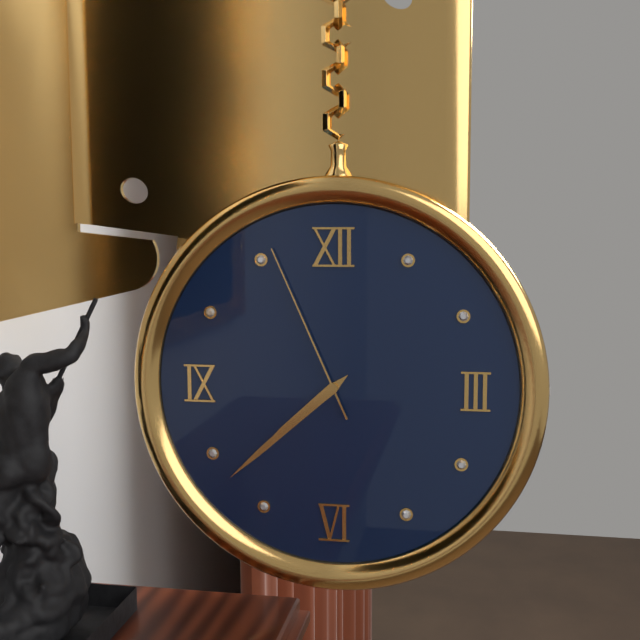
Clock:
7 h 38 min 56 s
